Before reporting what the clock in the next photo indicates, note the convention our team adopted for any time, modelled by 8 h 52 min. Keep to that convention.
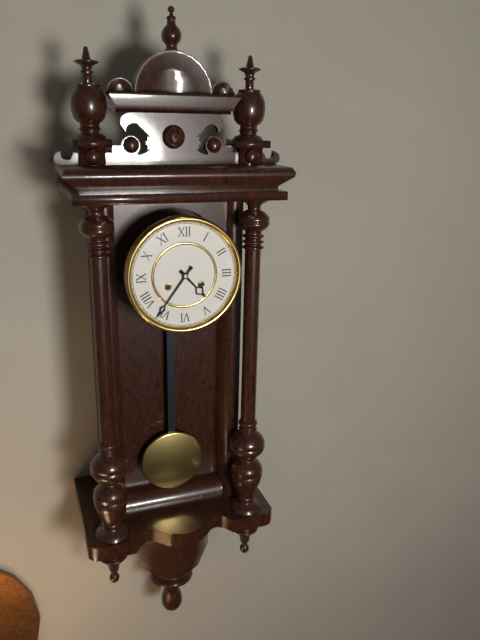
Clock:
4 h 36 min
